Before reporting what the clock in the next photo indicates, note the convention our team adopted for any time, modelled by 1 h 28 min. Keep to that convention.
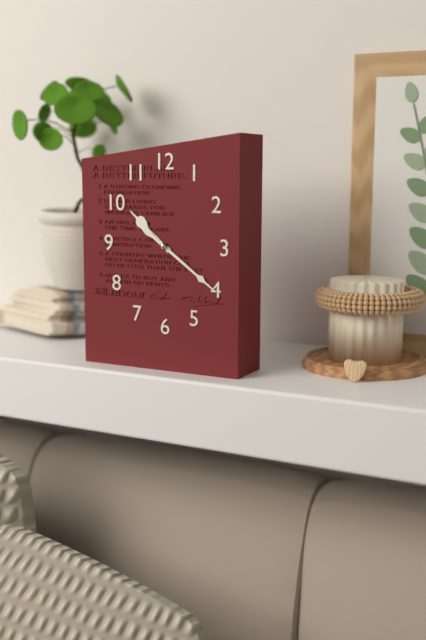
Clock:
10 h 21 min
